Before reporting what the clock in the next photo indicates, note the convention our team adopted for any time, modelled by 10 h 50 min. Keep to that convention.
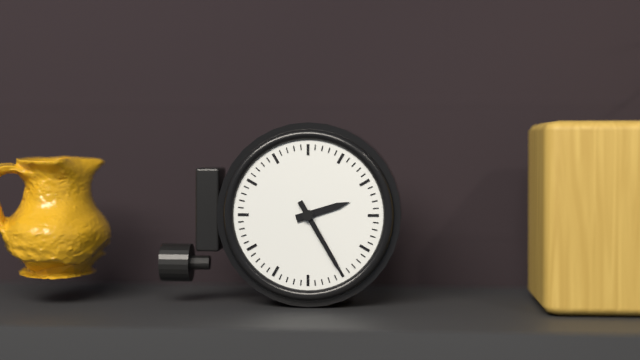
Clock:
2 h 25 min
